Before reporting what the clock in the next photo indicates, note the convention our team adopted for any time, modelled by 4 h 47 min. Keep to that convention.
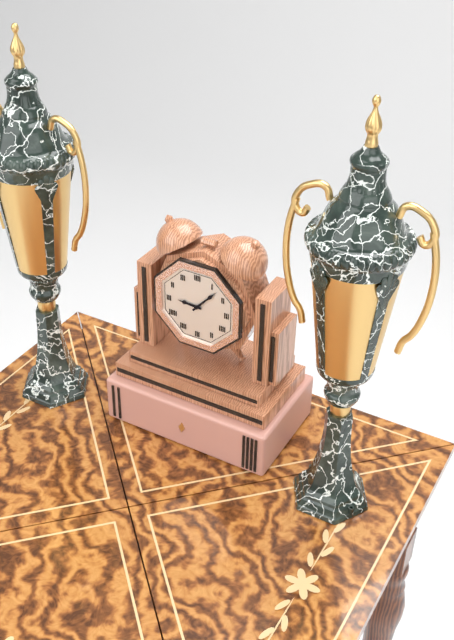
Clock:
9 h 07 min
